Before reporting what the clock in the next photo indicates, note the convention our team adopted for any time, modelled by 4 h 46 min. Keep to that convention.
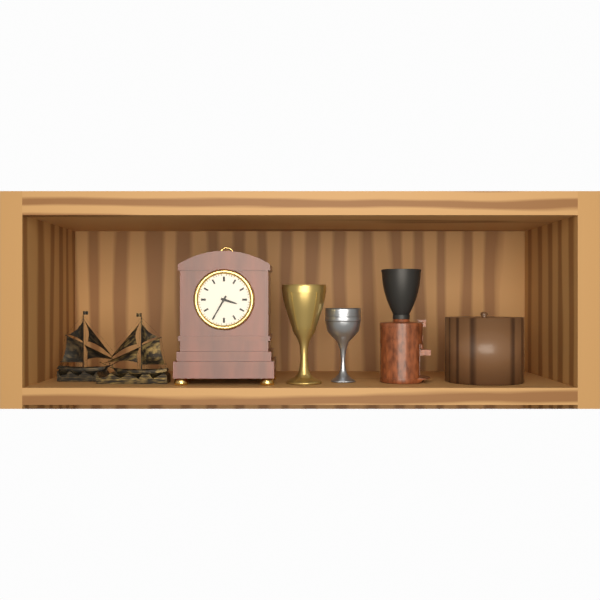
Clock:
3 h 35 min
